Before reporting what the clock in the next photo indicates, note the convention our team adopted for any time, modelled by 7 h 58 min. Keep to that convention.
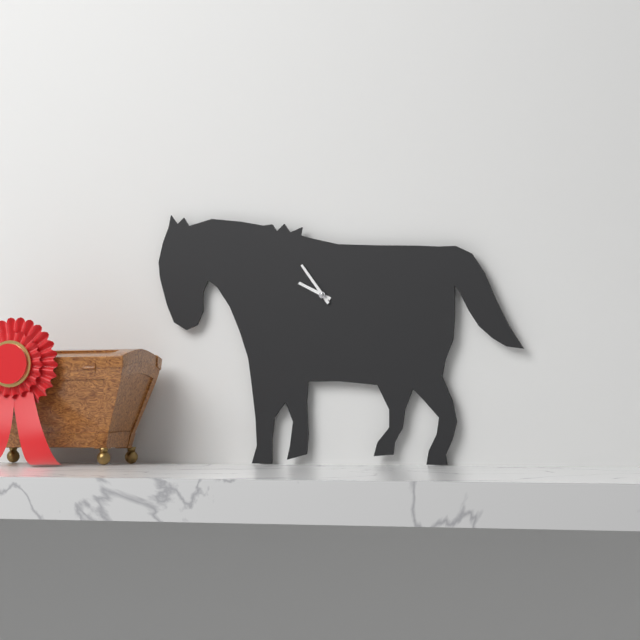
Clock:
9 h 54 min
